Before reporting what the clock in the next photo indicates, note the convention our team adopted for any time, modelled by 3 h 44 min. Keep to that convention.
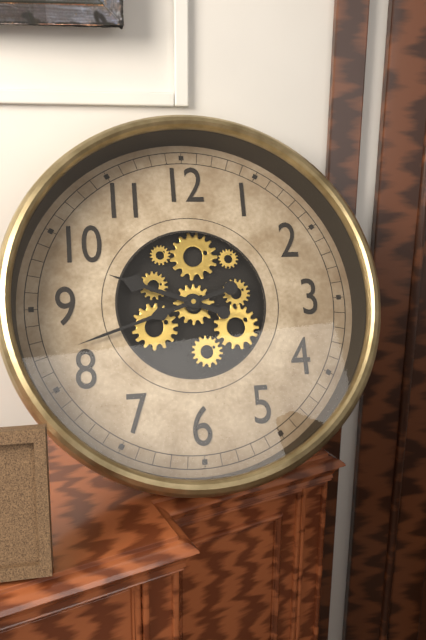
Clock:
9 h 42 min
